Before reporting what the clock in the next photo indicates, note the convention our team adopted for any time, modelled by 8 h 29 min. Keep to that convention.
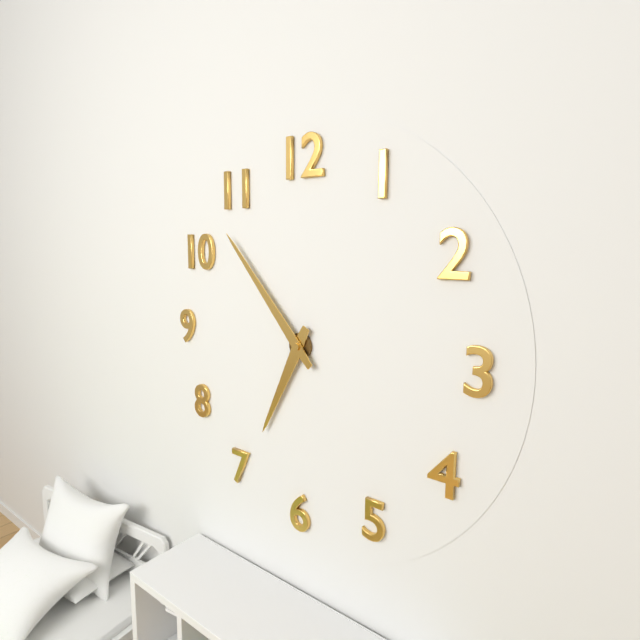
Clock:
6 h 53 min
